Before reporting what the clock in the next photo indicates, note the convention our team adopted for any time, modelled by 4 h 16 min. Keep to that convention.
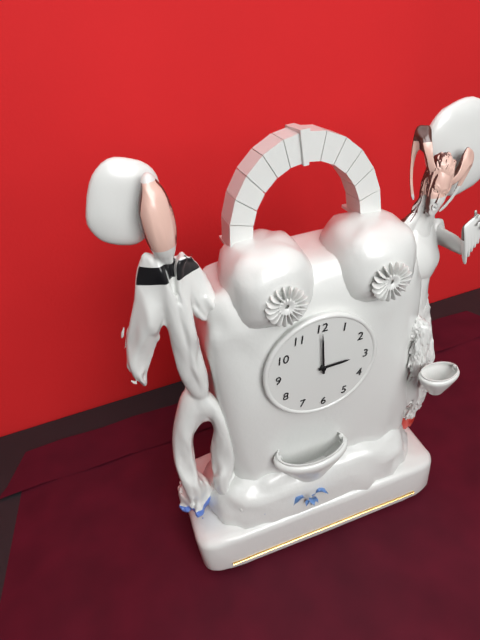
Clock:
3 h 00 min
